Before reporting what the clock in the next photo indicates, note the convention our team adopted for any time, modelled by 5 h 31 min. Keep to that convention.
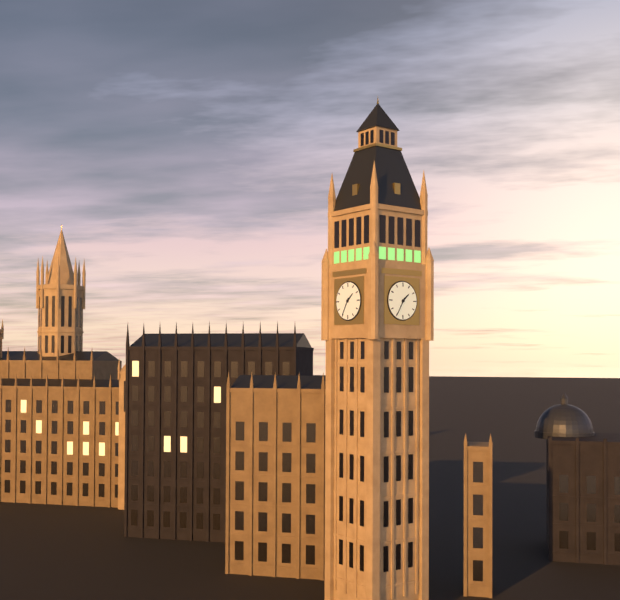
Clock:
1 h 35 min
